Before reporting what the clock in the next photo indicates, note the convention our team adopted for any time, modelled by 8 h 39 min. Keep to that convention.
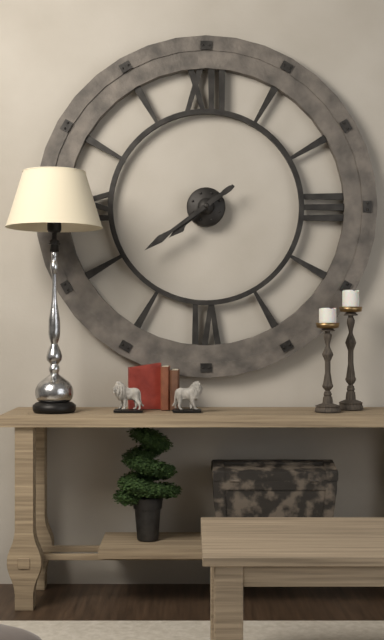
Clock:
7 h 39 min
